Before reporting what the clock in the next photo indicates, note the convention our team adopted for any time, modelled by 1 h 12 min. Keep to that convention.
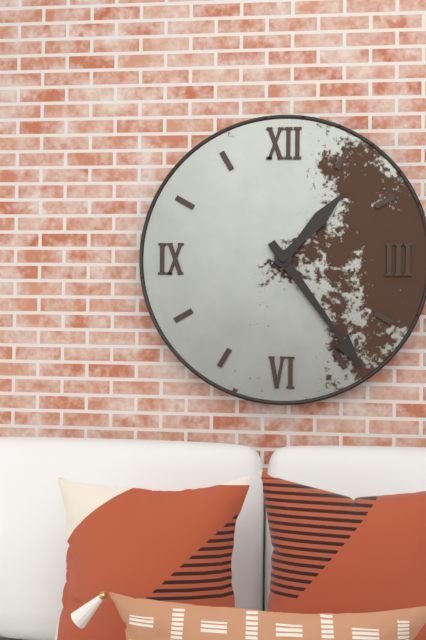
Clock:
1 h 24 min
